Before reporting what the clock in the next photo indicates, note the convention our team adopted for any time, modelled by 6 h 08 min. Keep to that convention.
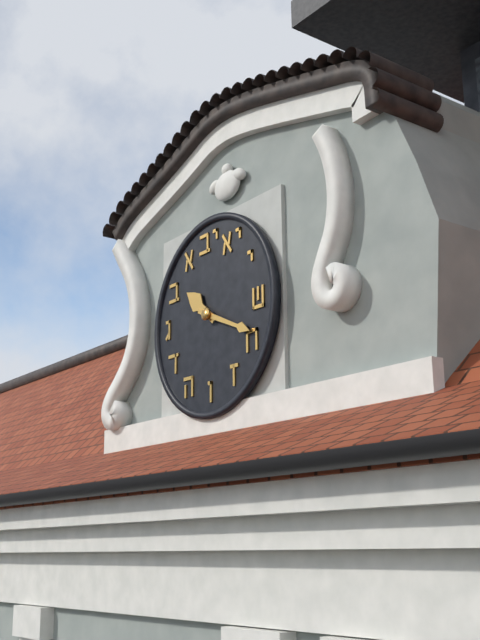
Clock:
10 h 19 min
